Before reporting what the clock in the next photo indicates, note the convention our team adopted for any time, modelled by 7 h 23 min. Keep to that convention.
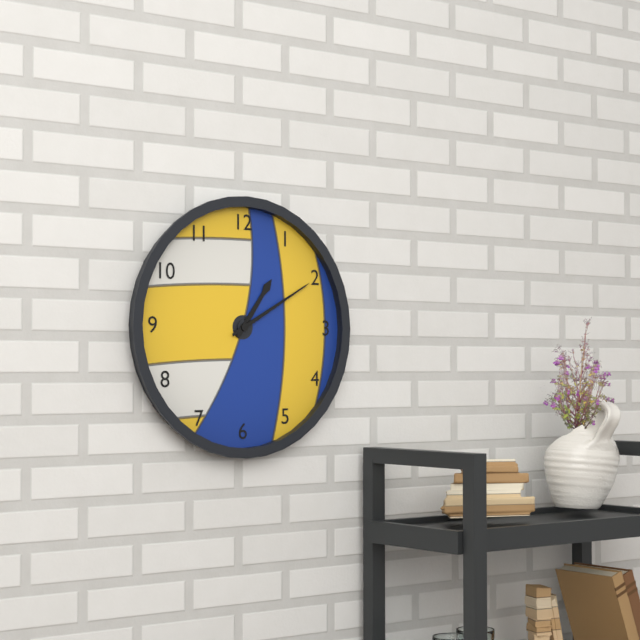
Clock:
1 h 10 min
